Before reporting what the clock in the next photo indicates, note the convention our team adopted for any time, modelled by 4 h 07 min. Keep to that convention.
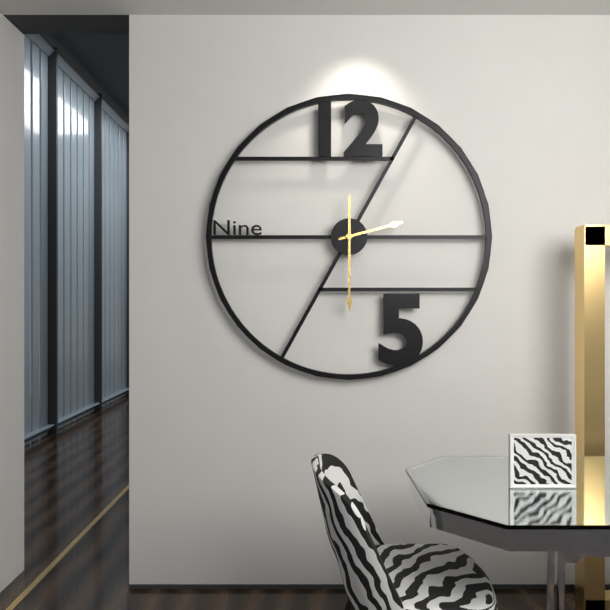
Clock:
2 h 30 min
